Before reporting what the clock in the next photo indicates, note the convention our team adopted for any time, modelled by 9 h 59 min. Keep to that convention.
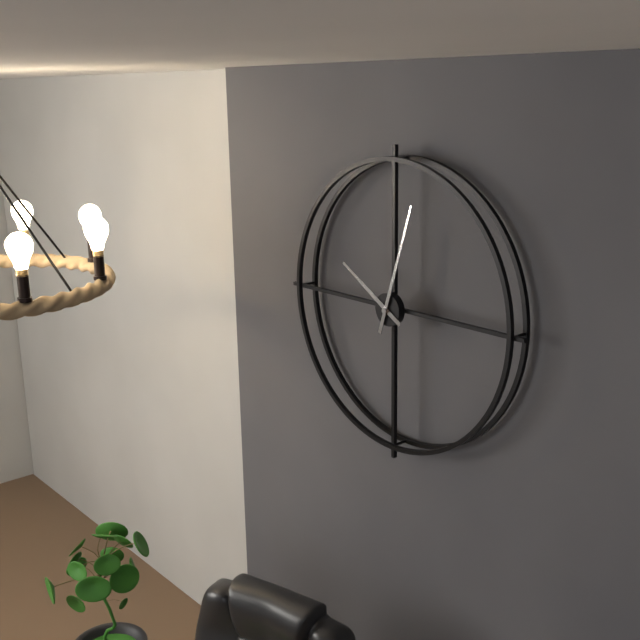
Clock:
10 h 03 min
